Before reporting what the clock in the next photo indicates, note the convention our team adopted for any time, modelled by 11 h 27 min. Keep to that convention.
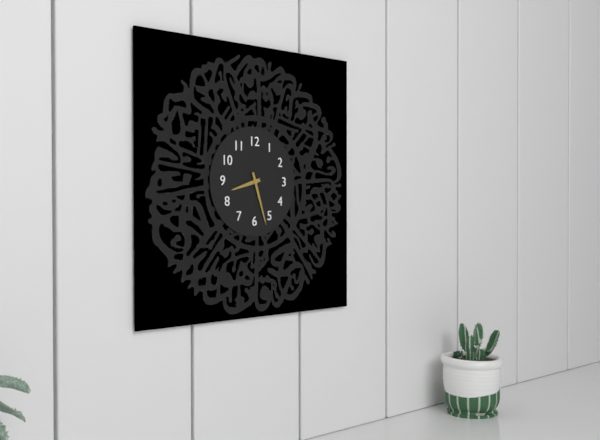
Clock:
8 h 27 min
